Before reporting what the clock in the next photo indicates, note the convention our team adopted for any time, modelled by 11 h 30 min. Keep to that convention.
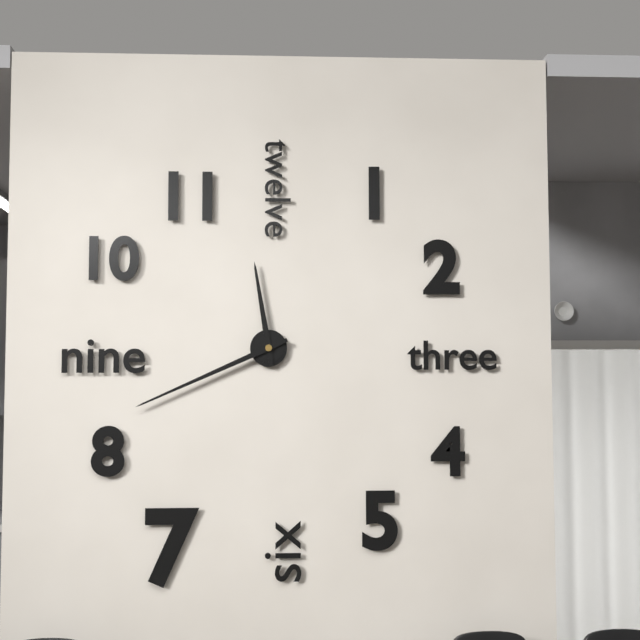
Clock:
11 h 41 min
